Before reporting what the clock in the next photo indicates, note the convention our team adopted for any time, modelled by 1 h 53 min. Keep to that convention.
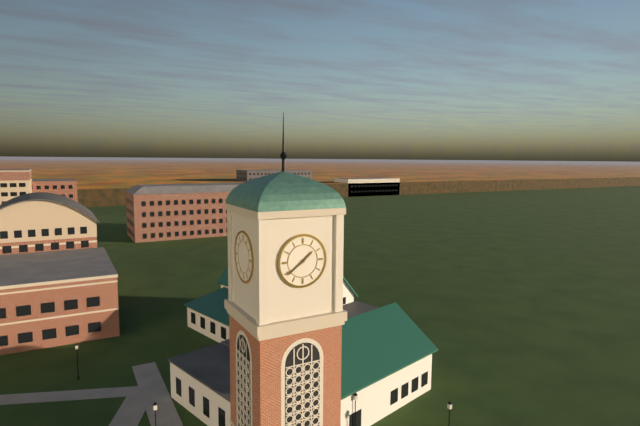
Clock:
1 h 39 min
